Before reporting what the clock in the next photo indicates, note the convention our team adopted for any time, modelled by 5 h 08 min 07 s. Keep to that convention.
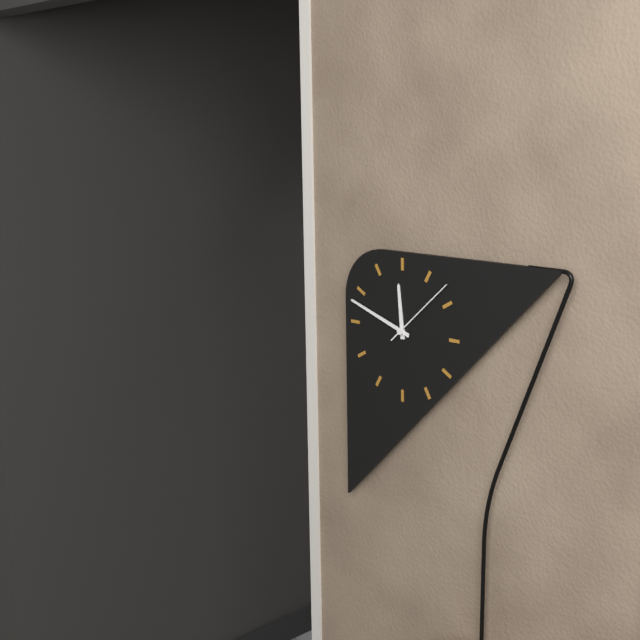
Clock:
11 h 48 min 08 s
